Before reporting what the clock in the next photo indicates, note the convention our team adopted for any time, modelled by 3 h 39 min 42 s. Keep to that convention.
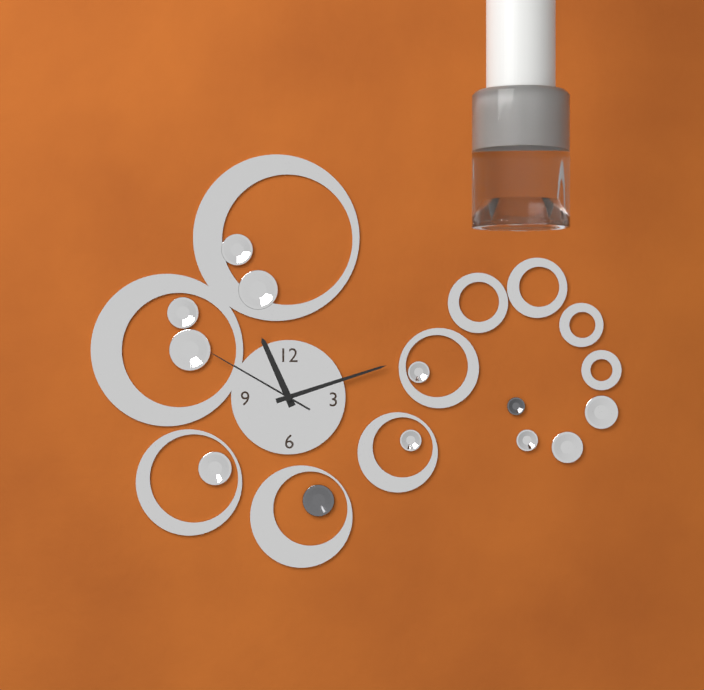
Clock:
11 h 12 min 50 s
